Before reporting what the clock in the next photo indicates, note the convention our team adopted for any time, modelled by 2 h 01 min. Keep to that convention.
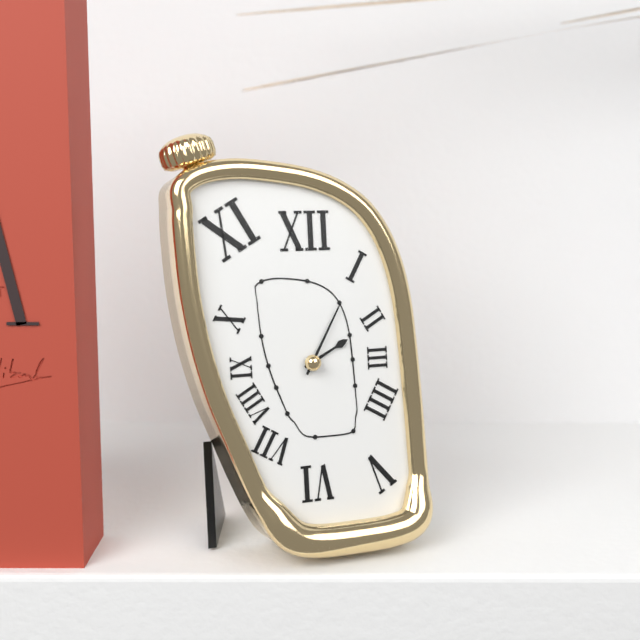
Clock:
2 h 05 min
